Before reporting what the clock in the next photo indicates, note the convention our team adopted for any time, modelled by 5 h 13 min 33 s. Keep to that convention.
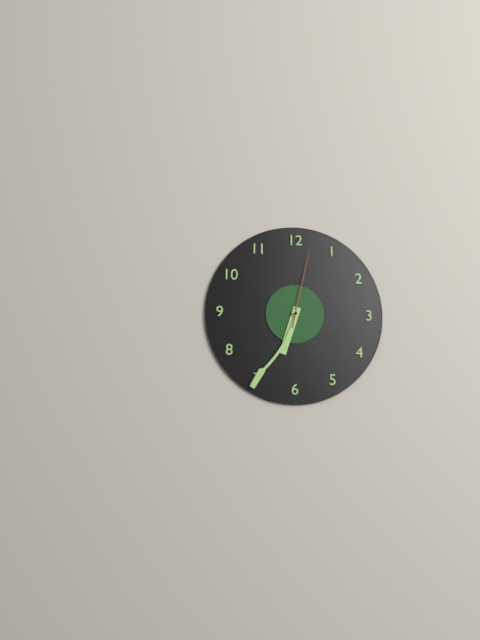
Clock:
6 h 35 min 02 s
